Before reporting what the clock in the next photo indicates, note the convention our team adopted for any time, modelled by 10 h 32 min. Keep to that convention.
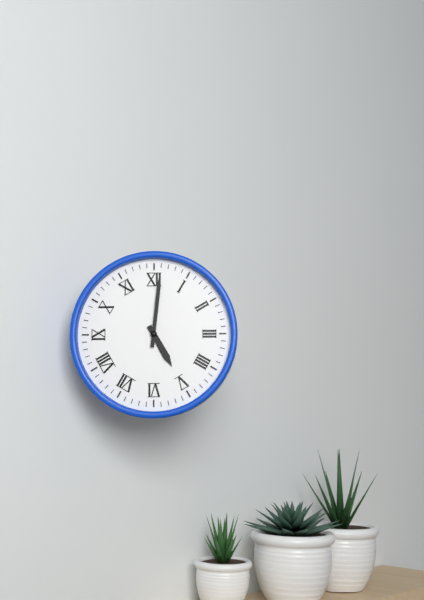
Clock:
5 h 01 min
